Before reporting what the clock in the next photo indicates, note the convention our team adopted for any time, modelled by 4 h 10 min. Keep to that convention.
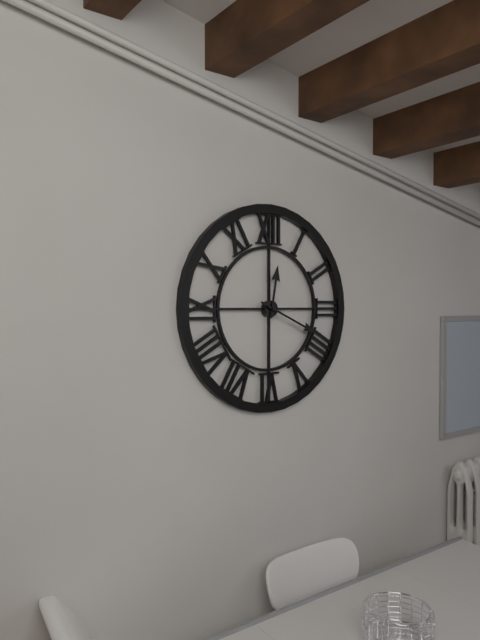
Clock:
12 h 19 min
